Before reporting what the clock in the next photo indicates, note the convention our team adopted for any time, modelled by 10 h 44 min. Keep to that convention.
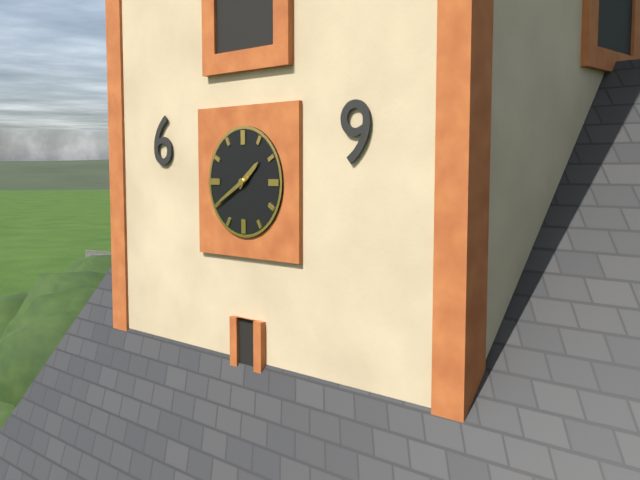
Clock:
1 h 40 min
